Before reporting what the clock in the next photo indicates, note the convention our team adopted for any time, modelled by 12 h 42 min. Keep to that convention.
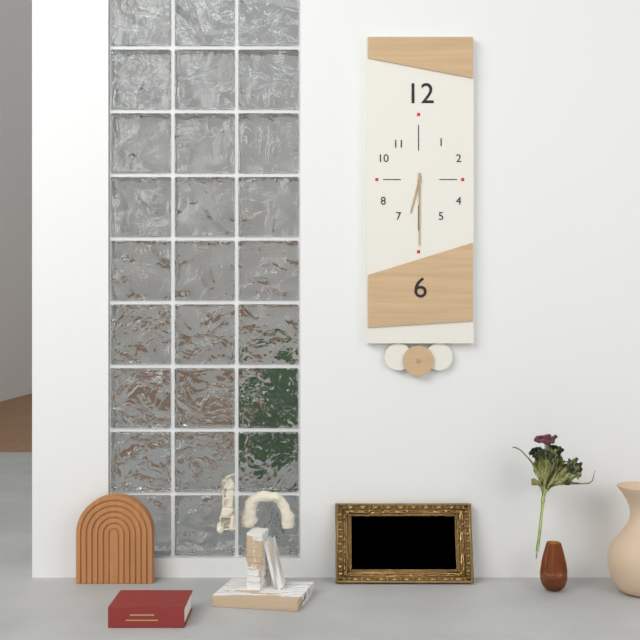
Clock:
6 h 30 min
